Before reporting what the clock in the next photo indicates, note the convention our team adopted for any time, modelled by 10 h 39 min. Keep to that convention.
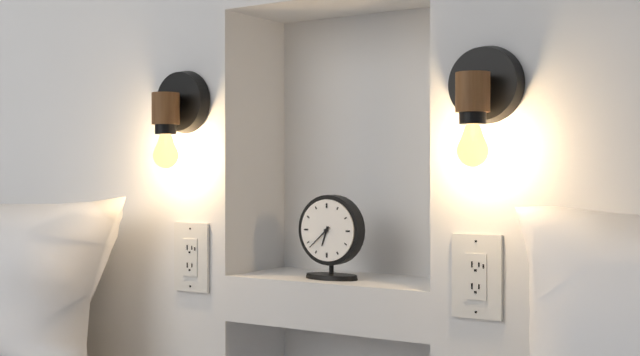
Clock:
6 h 38 min
